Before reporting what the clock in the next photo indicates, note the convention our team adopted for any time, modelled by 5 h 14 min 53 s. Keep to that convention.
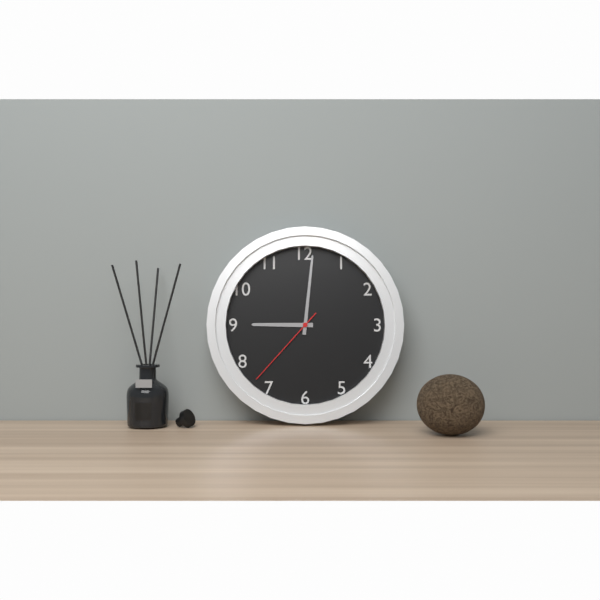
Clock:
9 h 01 min 37 s
